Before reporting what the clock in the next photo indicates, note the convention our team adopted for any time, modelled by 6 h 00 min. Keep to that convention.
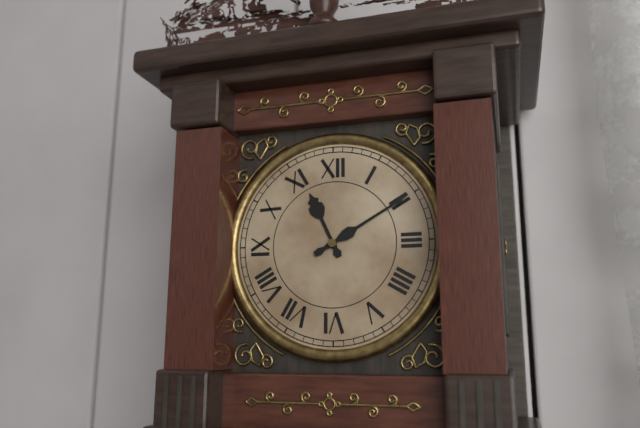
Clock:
11 h 10 min
